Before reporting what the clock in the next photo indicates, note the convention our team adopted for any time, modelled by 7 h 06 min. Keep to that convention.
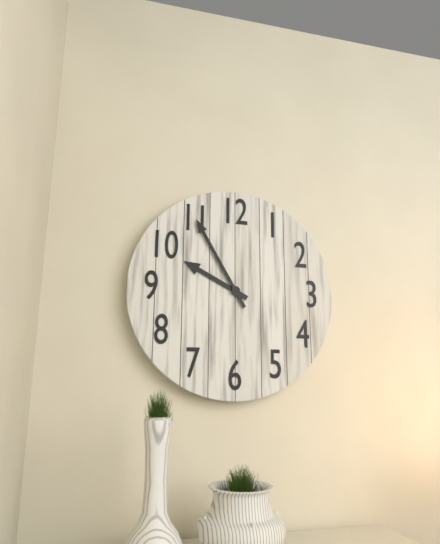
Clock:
9 h 55 min
